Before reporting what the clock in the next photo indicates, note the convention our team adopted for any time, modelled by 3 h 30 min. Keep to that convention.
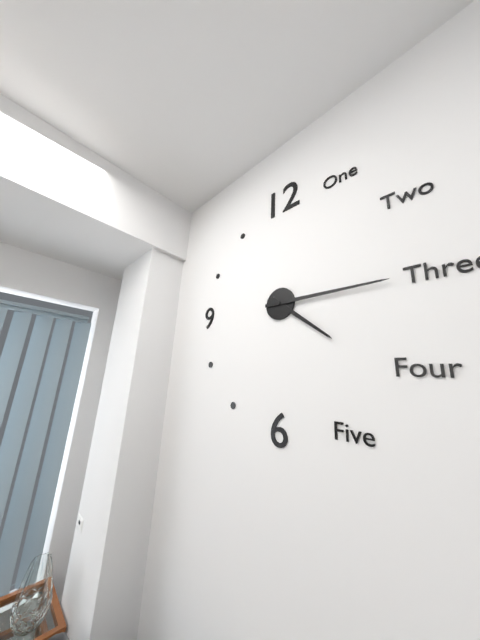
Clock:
4 h 15 min
